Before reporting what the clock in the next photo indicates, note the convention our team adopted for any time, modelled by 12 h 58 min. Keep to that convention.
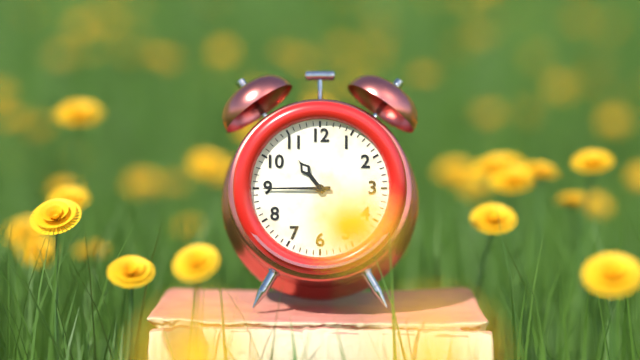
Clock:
10 h 45 min
